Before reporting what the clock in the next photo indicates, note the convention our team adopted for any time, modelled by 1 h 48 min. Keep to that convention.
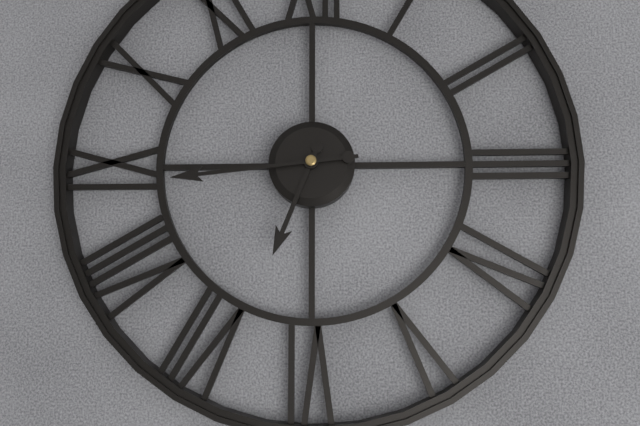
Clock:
6 h 44 min
